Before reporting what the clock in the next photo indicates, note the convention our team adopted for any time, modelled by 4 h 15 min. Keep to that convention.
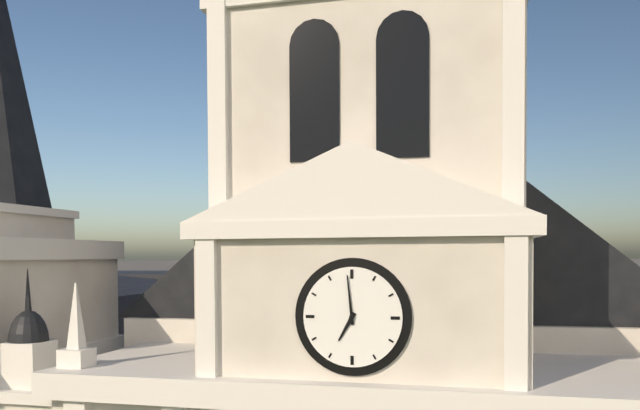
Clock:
6 h 59 min
